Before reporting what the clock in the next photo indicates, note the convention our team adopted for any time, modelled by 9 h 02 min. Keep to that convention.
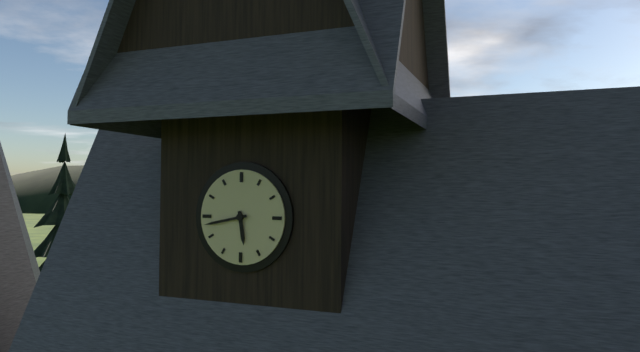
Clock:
5 h 43 min
